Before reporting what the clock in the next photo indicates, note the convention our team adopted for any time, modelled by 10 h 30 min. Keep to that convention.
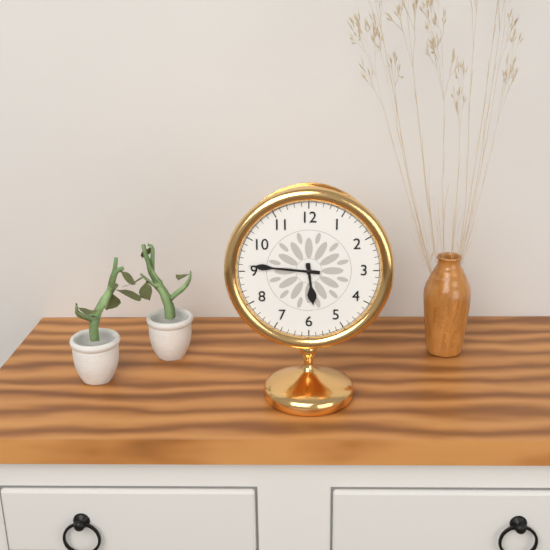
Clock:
5 h 46 min
